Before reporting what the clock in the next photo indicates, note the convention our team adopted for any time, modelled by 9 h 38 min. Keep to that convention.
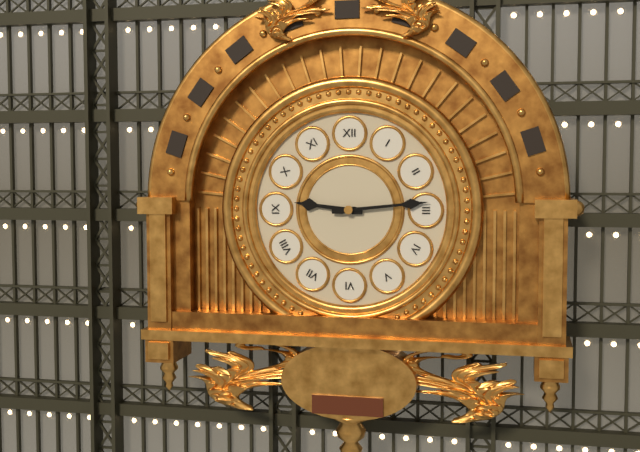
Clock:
9 h 14 min
